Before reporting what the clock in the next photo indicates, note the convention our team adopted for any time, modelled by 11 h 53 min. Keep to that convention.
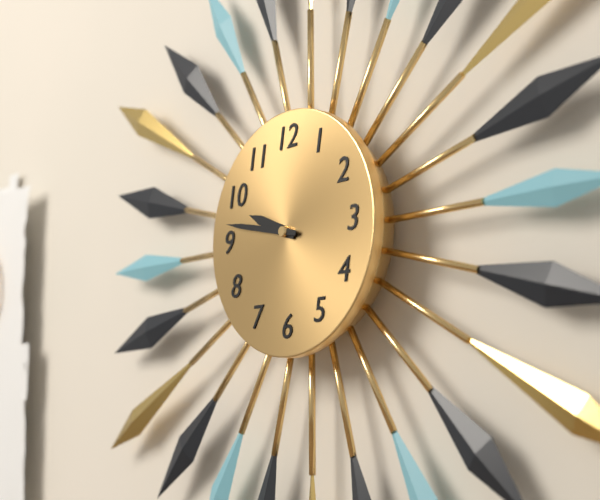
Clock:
9 h 47 min
